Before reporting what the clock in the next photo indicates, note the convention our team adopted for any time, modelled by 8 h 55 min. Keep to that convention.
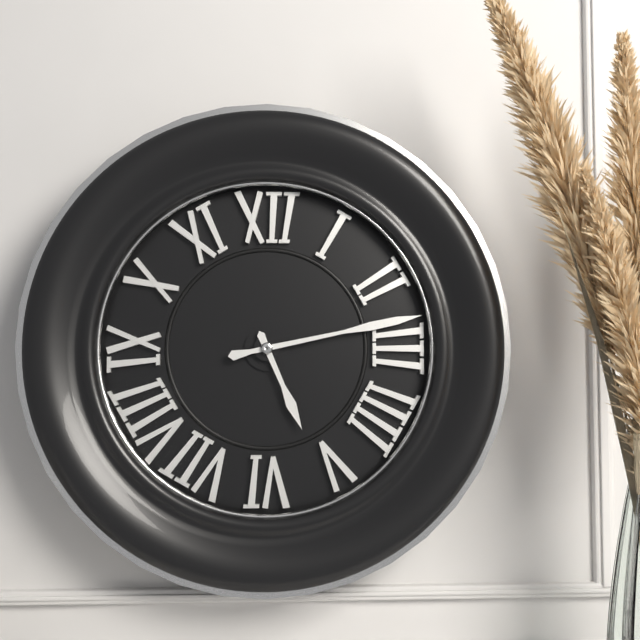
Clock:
5 h 13 min
